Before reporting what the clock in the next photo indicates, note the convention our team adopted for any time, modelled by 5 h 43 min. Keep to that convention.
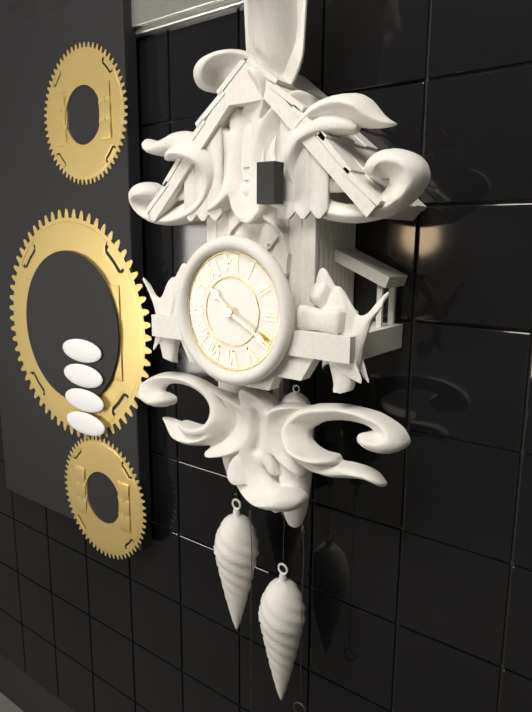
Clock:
10 h 20 min
